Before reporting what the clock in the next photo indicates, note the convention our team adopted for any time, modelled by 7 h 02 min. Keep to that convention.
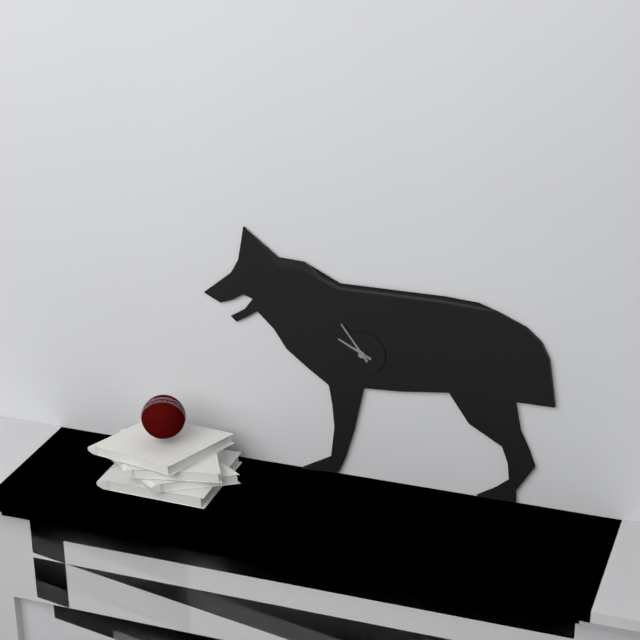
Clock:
9 h 54 min
